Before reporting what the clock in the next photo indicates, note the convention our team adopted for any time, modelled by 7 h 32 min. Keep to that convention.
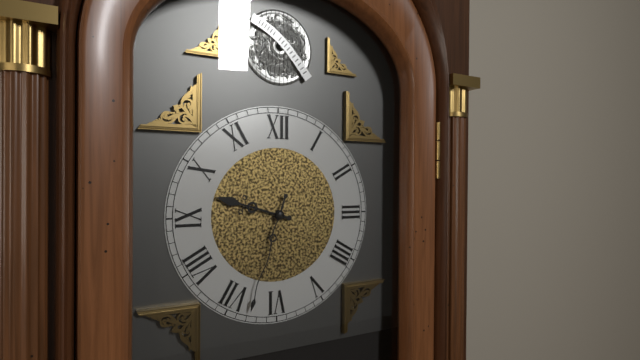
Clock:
9 h 33 min
